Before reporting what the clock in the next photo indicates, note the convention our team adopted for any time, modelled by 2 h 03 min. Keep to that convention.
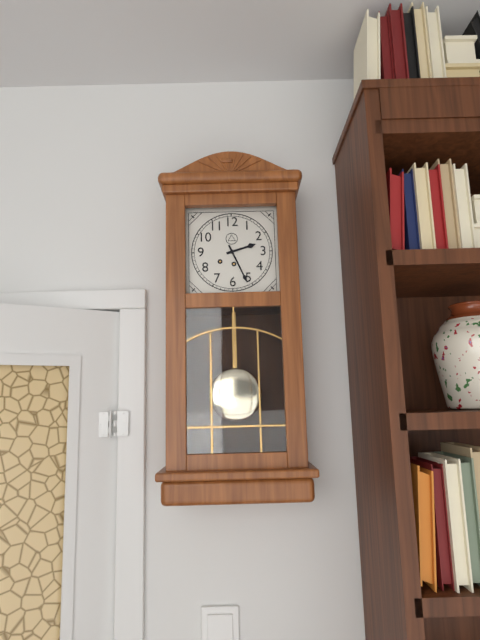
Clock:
2 h 26 min
